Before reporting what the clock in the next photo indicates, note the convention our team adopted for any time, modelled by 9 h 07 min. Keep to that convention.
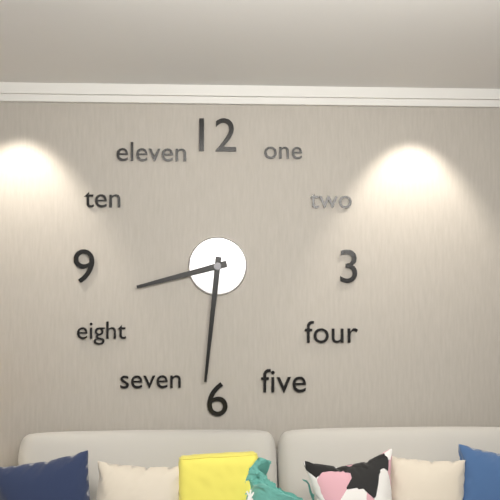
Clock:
8 h 31 min
